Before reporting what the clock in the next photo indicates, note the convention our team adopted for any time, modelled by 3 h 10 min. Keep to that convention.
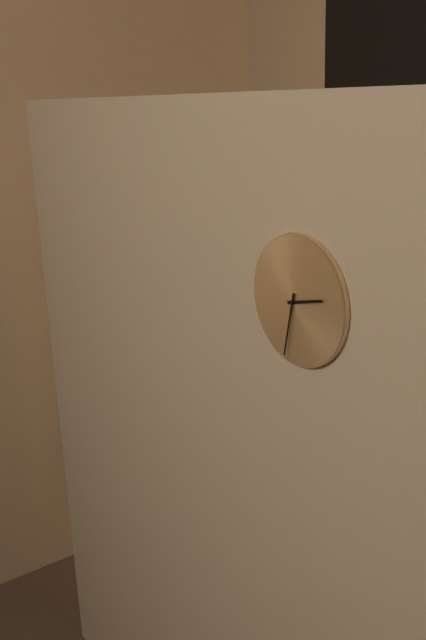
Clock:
2 h 32 min
